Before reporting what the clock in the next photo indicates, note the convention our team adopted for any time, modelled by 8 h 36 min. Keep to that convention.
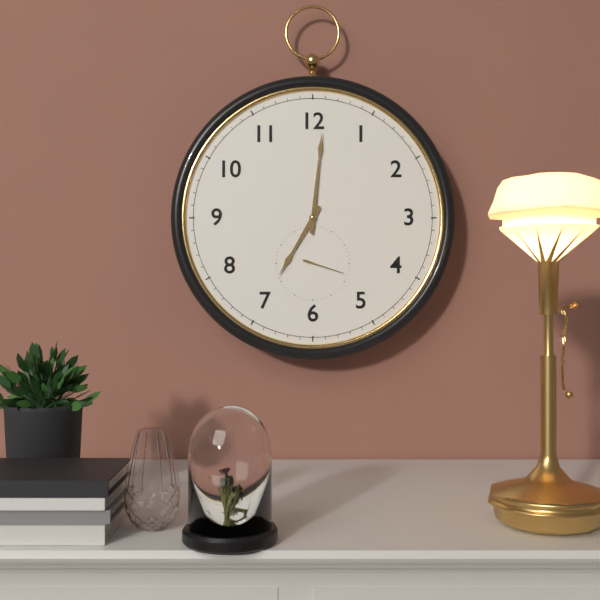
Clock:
7 h 01 min
